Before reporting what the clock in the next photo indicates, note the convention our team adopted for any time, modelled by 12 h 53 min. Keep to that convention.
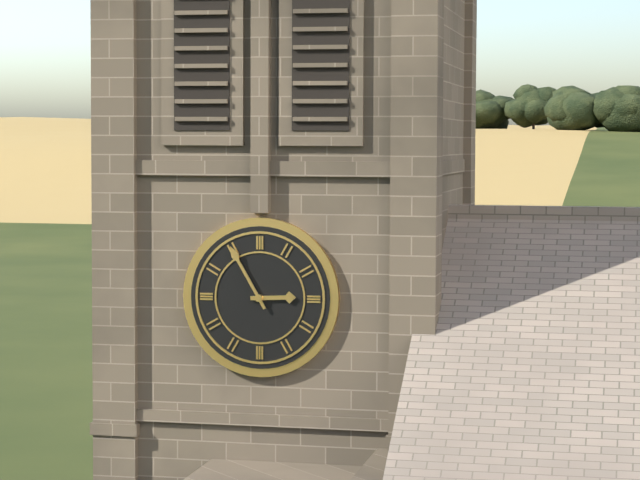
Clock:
2 h 55 min
